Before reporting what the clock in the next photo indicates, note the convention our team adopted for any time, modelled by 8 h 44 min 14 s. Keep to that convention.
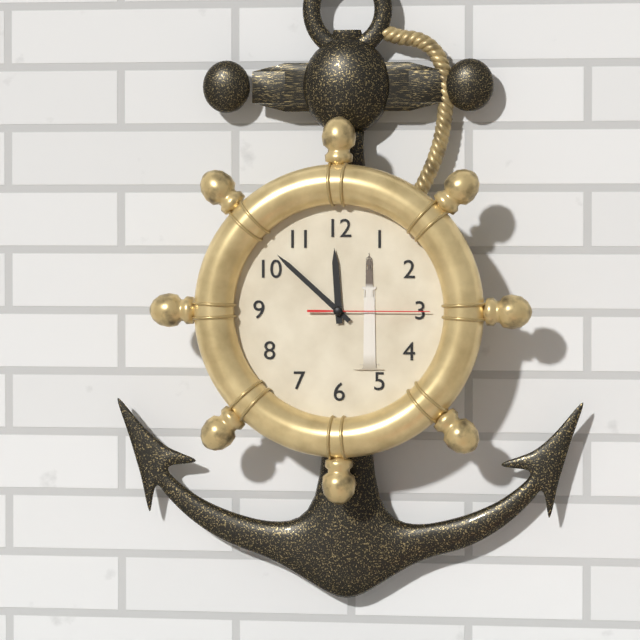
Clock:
11 h 52 min 15 s
